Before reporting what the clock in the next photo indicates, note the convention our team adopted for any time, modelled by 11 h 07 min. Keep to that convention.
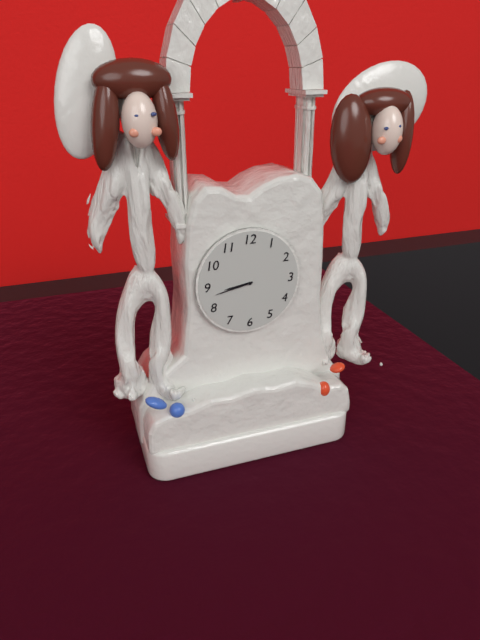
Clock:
8 h 43 min
